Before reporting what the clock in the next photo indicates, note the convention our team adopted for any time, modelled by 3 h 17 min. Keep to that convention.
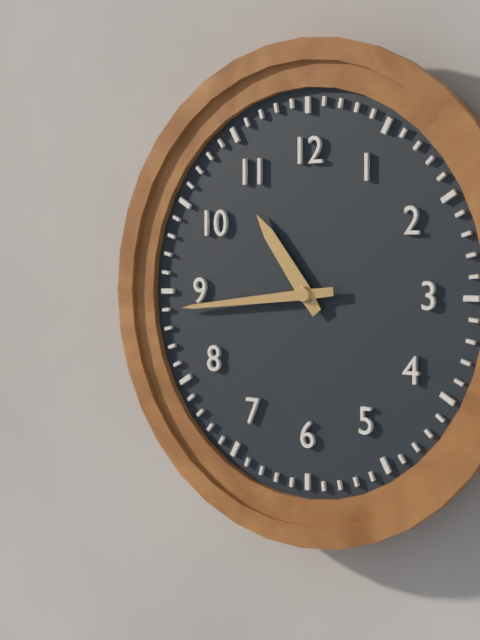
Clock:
10 h 44 min
